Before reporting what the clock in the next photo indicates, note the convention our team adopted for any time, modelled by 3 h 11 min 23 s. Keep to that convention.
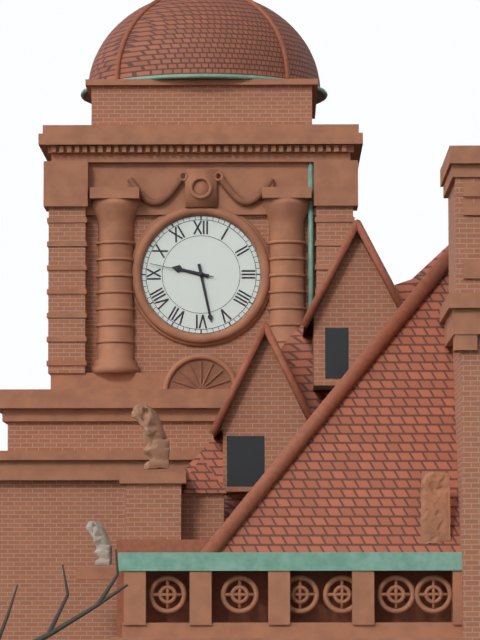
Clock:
9 h 28 min 47 s
